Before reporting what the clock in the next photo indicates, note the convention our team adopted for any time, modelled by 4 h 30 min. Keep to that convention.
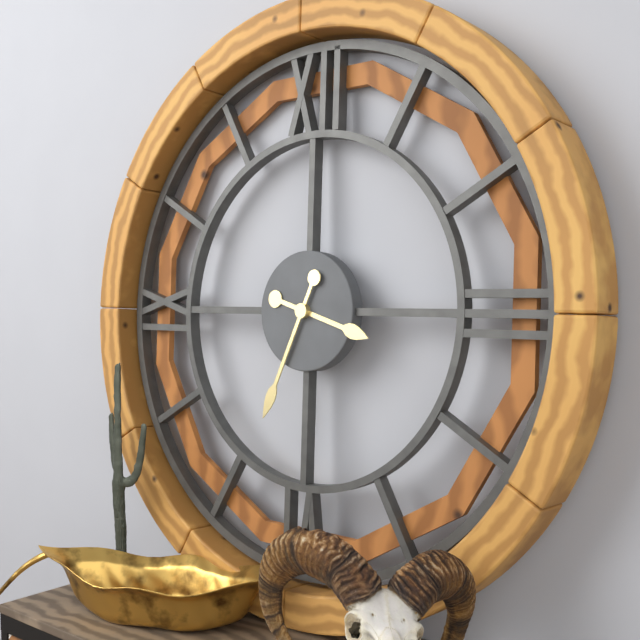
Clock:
3 h 34 min
